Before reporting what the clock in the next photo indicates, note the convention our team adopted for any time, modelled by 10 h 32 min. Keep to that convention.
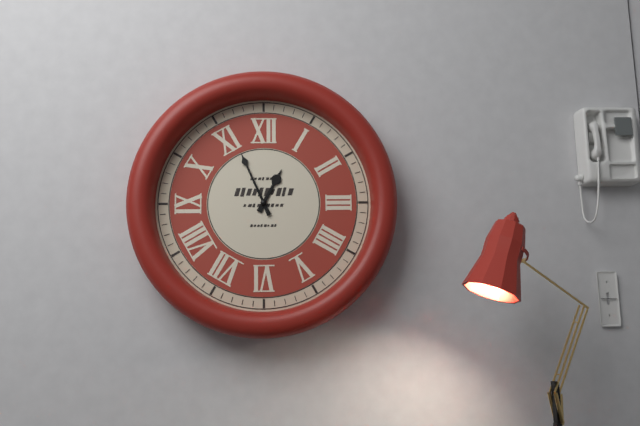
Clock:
12 h 56 min
